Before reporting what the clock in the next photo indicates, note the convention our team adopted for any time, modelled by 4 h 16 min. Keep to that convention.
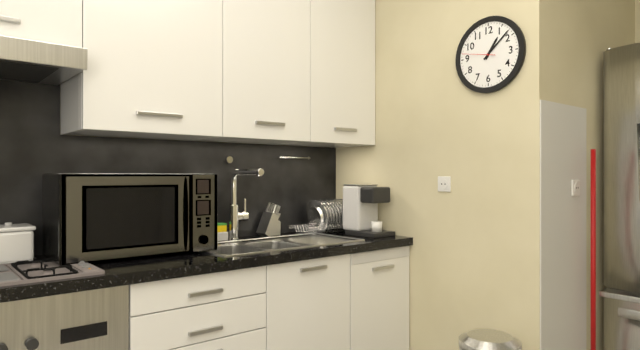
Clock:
1 h 08 min
